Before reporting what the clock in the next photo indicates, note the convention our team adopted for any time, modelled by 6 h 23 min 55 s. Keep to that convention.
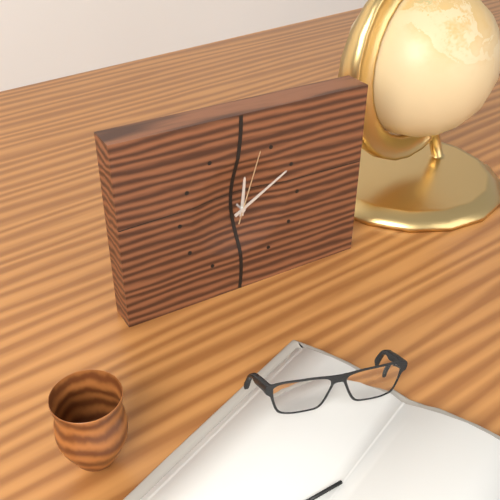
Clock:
12 h 10 min 03 s
